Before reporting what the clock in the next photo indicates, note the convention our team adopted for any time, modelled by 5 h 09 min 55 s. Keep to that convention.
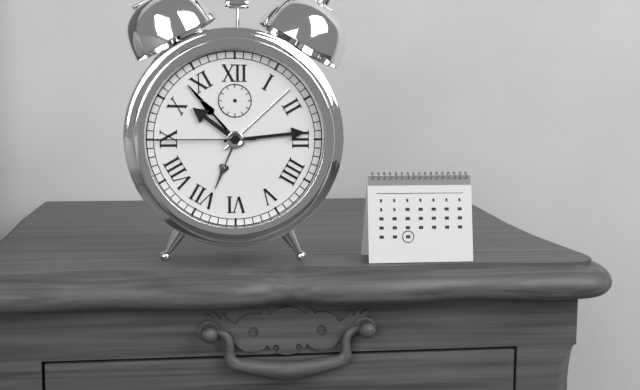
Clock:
10 h 14 min 45 s
